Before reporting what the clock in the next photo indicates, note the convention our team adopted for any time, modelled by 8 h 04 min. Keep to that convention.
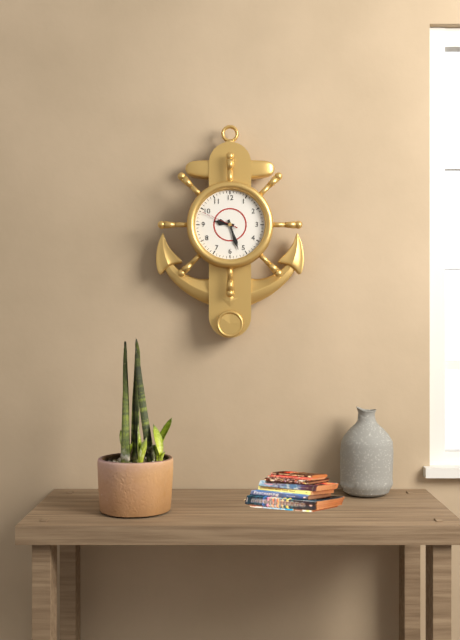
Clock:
9 h 27 min
